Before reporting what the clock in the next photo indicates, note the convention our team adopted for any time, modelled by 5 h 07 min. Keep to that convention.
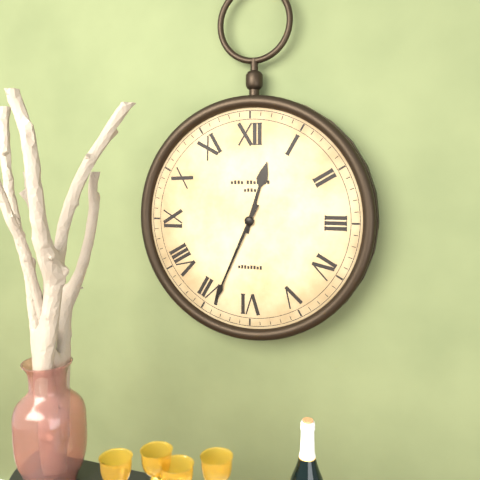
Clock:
12 h 34 min
